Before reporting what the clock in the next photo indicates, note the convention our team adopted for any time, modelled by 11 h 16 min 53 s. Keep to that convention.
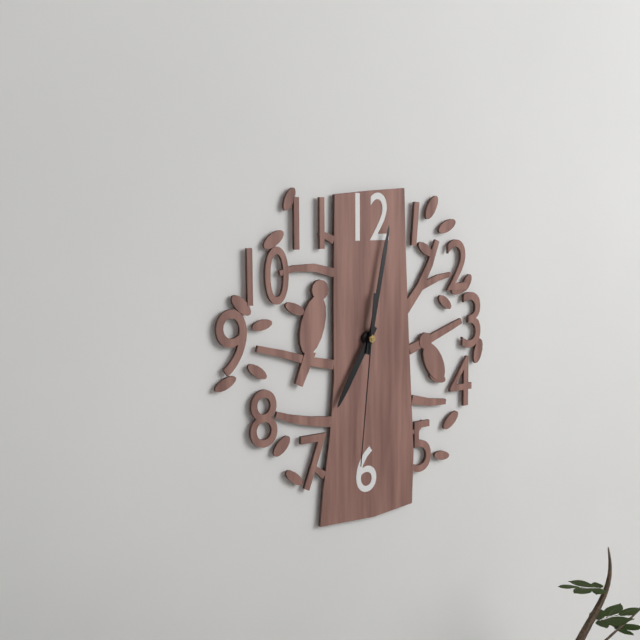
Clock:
7 h 02 min 31 s
